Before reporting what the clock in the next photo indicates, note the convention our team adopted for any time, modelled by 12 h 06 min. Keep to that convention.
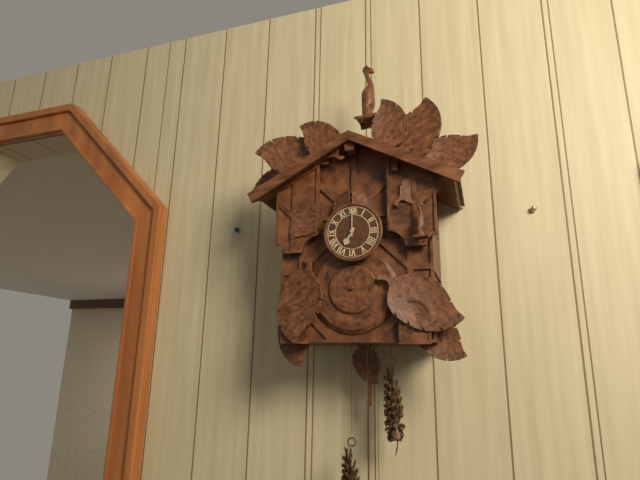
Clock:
7 h 00 min
